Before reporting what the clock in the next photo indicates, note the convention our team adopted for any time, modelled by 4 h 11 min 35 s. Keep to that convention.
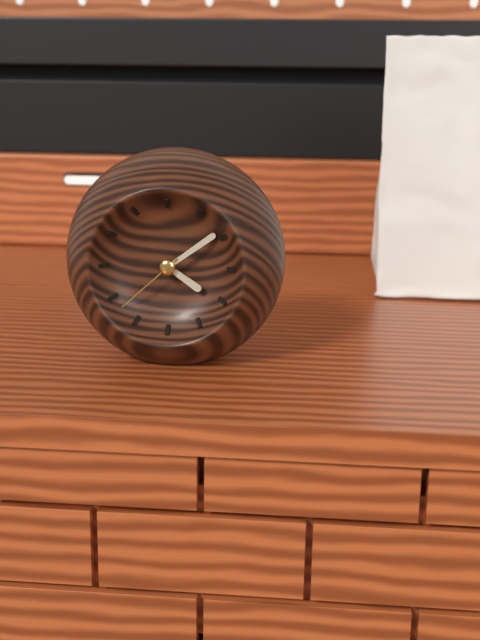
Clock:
4 h 09 min 38 s
